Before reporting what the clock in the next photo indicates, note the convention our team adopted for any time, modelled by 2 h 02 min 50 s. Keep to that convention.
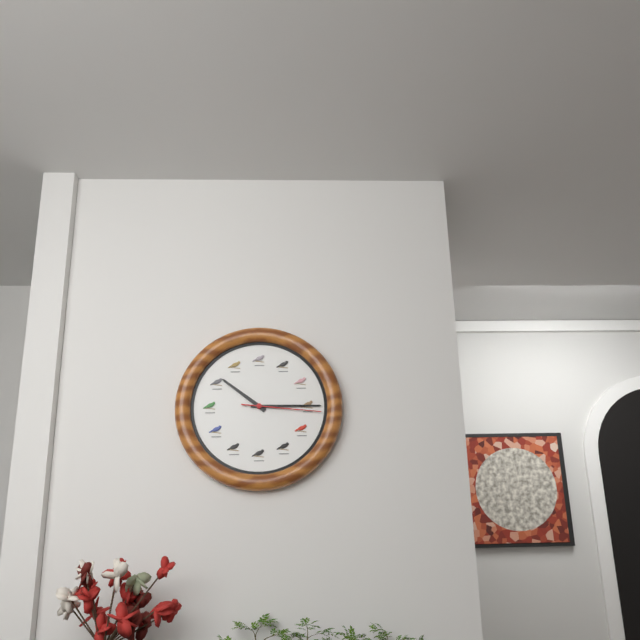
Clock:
10 h 15 min 16 s
